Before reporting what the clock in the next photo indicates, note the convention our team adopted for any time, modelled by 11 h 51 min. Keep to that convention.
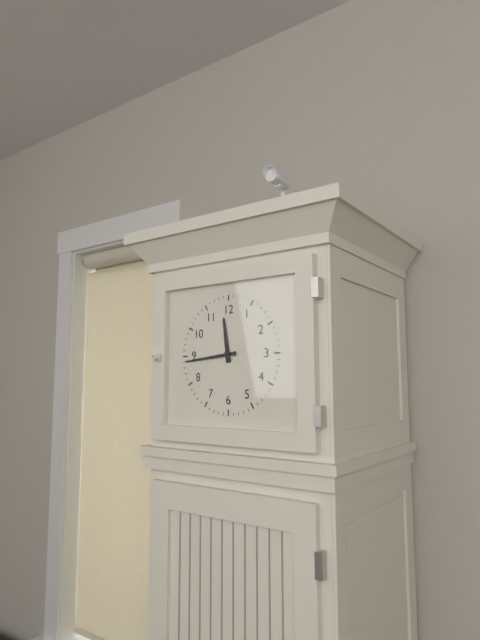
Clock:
11 h 44 min
